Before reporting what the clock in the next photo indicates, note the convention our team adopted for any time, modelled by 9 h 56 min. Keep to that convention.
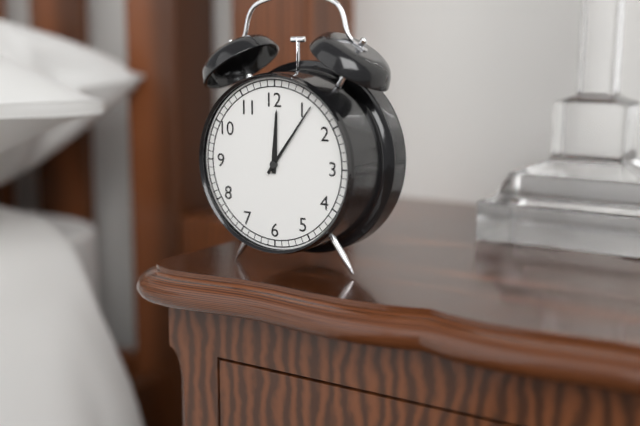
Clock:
12 h 06 min
